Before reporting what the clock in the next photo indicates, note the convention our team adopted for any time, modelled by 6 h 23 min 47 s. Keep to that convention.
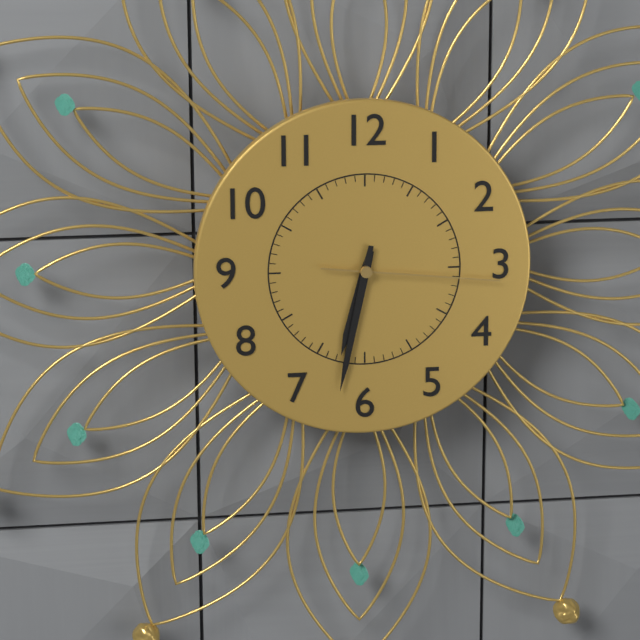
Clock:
6 h 32 min 16 s
